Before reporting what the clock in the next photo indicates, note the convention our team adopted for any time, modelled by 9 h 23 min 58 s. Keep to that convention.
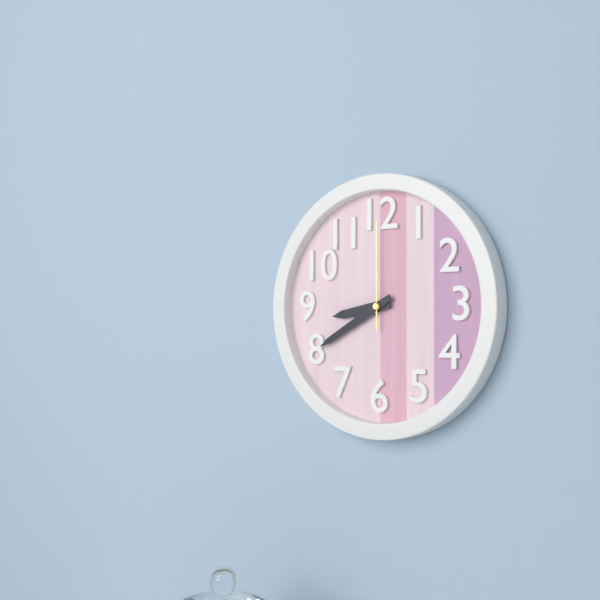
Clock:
8 h 40 min 00 s
